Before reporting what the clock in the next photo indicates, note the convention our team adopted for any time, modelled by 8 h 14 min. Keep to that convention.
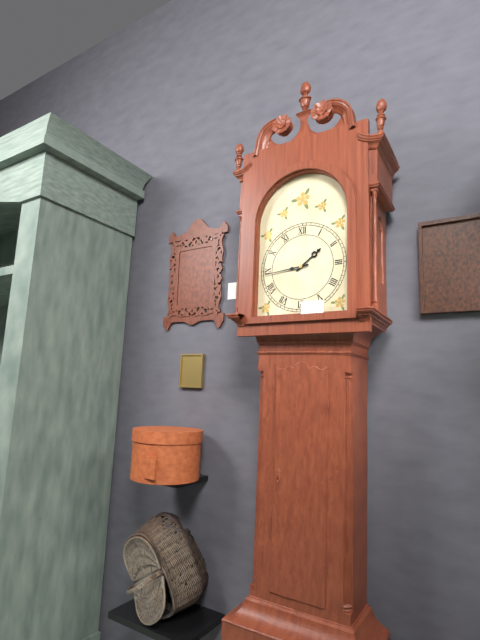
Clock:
1 h 44 min
